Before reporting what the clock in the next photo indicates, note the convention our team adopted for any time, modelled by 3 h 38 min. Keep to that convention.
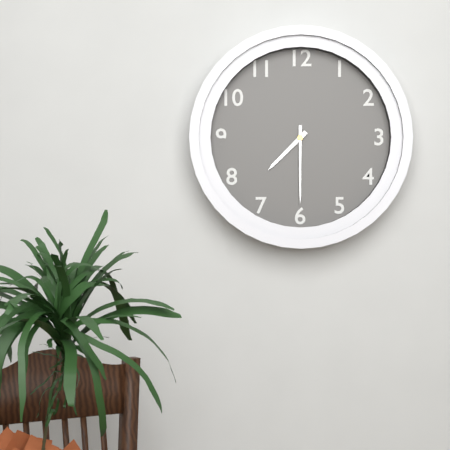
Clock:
7 h 30 min
